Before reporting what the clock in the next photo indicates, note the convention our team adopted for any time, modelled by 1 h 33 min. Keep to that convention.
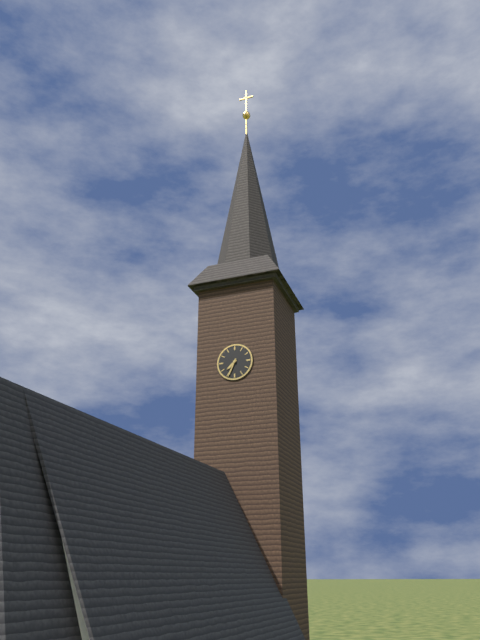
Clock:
7 h 34 min
